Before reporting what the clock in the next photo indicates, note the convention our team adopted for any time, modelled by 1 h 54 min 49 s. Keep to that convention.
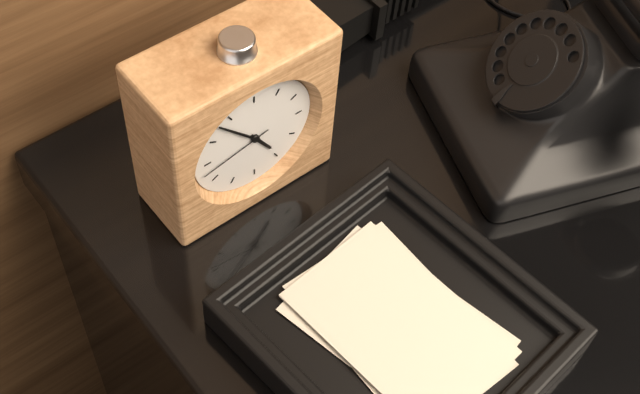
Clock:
4 h 53 min 43 s
